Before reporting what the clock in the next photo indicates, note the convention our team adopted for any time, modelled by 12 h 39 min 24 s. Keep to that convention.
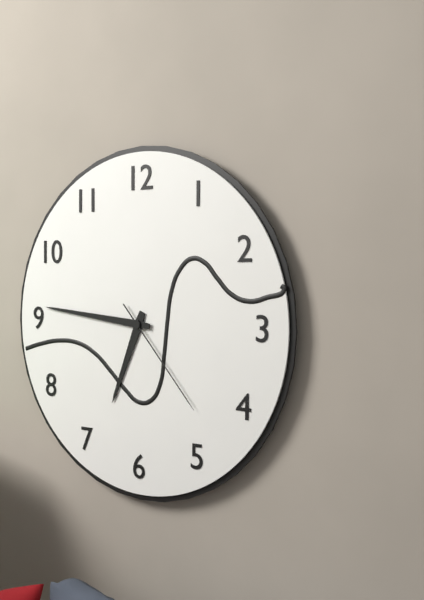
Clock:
6 h 46 min 23 s
